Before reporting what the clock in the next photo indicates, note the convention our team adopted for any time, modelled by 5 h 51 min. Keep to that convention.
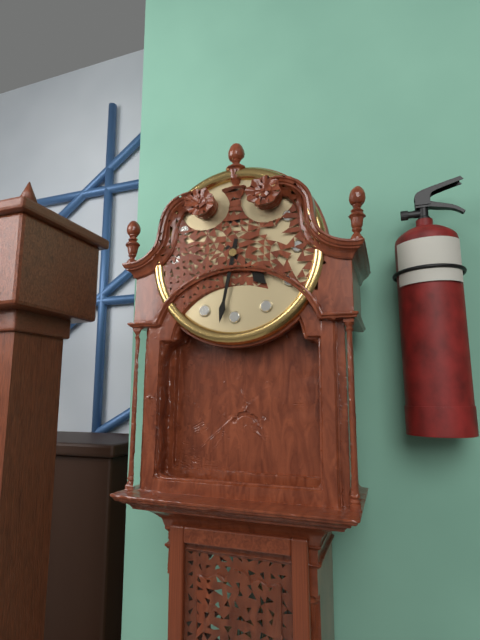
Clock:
4 h 32 min
